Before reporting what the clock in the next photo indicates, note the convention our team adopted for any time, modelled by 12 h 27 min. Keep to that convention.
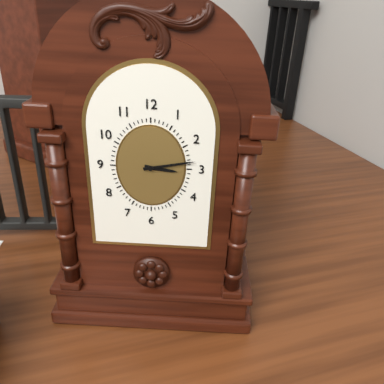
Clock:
3 h 13 min
